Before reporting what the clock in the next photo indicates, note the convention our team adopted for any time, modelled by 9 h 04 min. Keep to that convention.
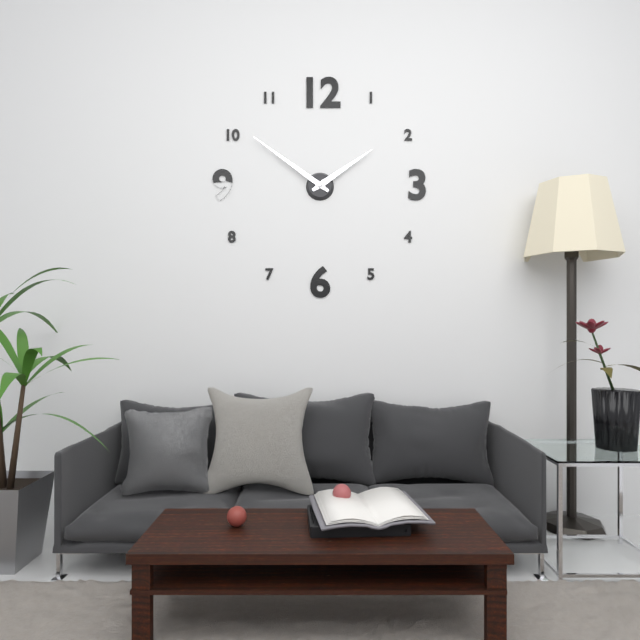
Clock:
1 h 51 min
